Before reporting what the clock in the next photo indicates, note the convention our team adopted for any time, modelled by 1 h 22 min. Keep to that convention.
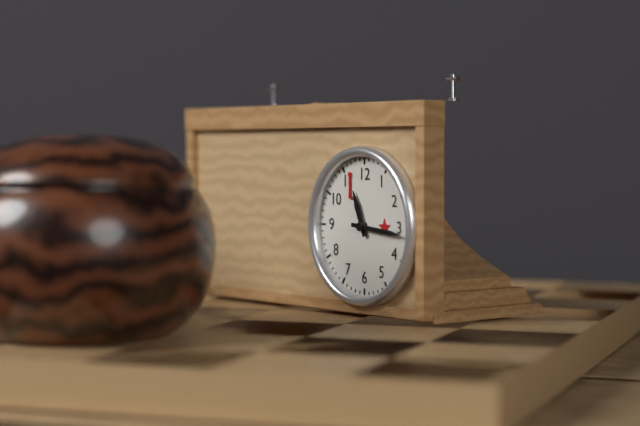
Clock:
11 h 16 min
